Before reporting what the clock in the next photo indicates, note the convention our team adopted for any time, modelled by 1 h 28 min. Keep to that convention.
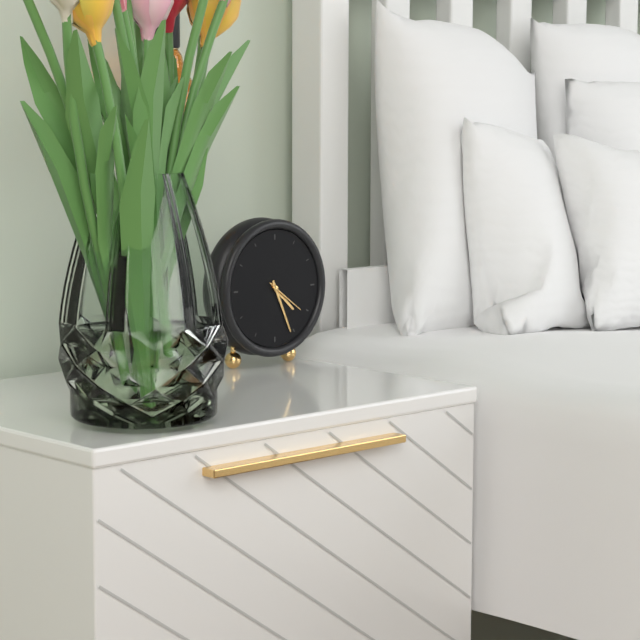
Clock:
4 h 26 min
